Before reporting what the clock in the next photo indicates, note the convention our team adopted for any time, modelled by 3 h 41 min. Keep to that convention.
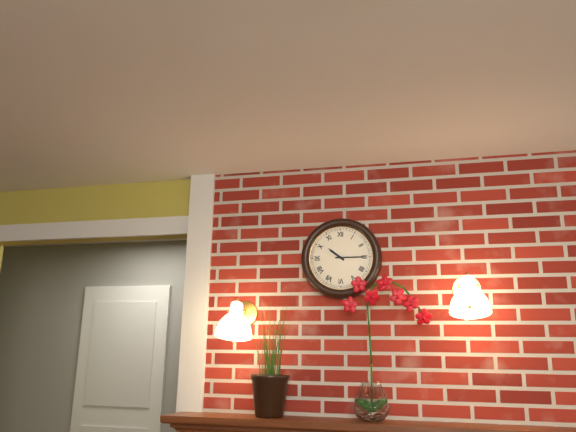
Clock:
10 h 15 min
